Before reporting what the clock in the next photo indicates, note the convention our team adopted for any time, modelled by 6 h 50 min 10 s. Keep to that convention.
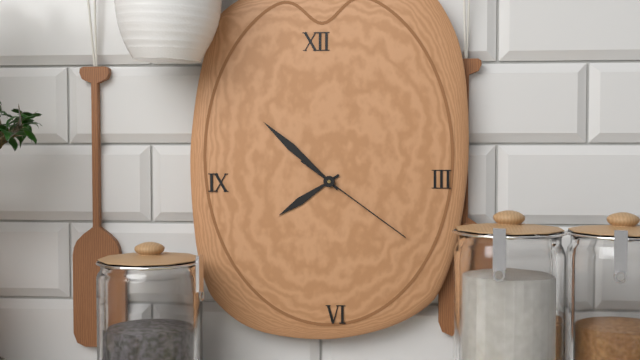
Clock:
7 h 52 min 21 s
